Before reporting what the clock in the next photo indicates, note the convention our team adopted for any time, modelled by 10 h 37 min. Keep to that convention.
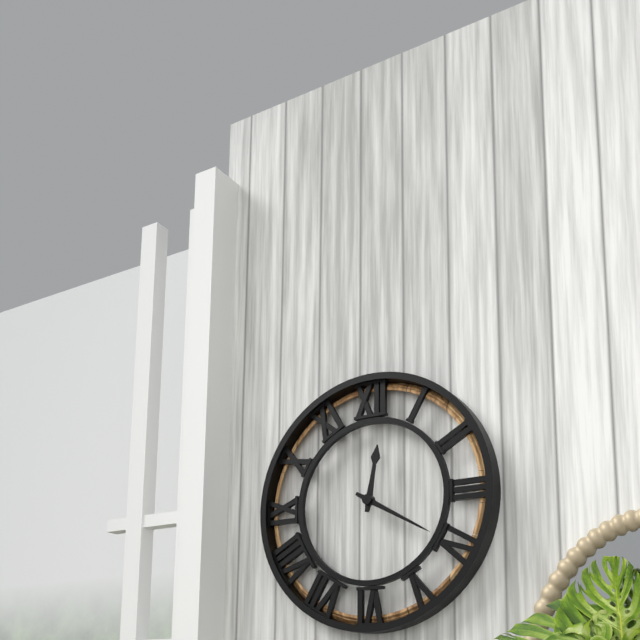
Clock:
12 h 20 min
